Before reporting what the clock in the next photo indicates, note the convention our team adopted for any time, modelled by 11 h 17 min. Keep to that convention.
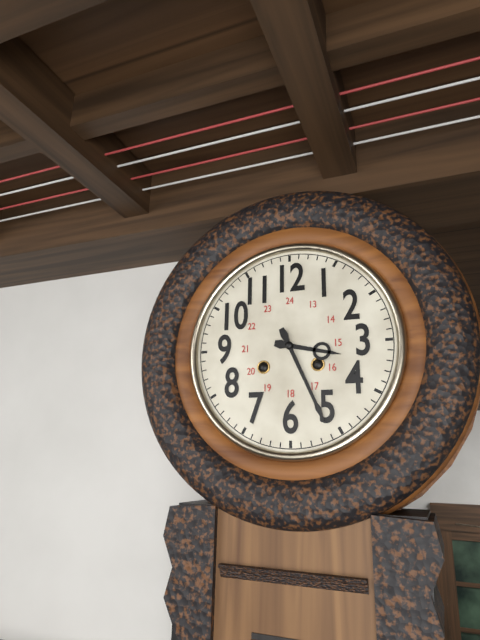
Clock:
3 h 26 min
